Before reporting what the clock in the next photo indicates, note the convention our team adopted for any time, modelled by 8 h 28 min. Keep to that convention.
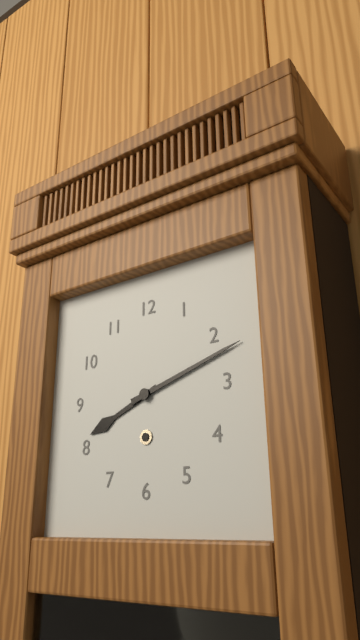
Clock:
8 h 12 min
